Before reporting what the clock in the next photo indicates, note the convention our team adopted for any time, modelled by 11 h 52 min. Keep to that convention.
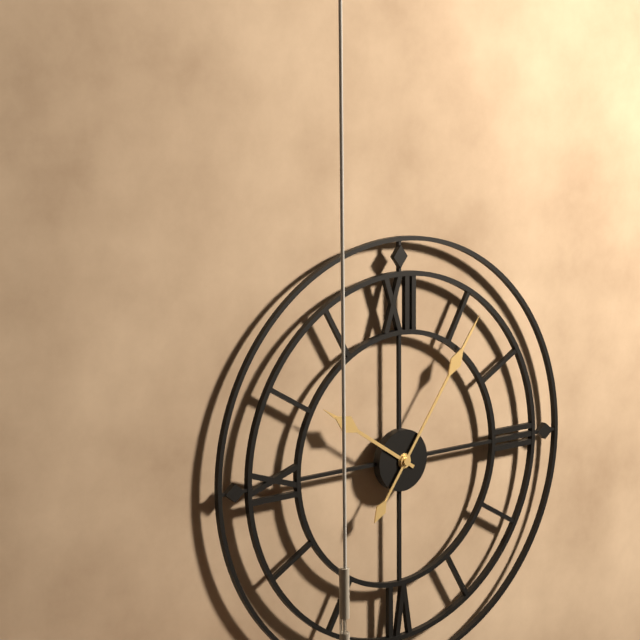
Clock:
10 h 06 min
